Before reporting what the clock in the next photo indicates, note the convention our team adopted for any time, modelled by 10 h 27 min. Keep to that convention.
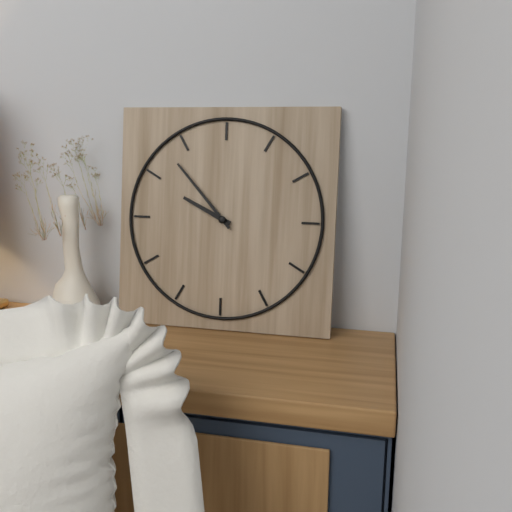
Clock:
9 h 53 min
